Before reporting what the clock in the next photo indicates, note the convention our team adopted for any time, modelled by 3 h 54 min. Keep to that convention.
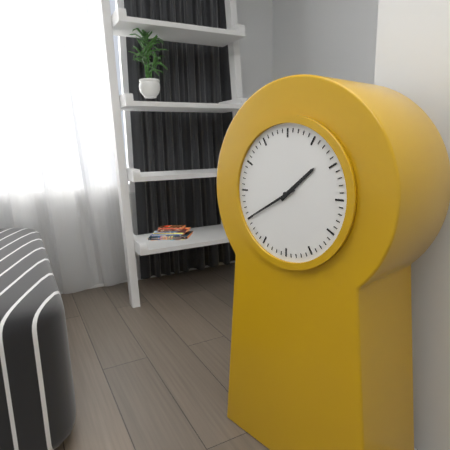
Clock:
1 h 40 min
